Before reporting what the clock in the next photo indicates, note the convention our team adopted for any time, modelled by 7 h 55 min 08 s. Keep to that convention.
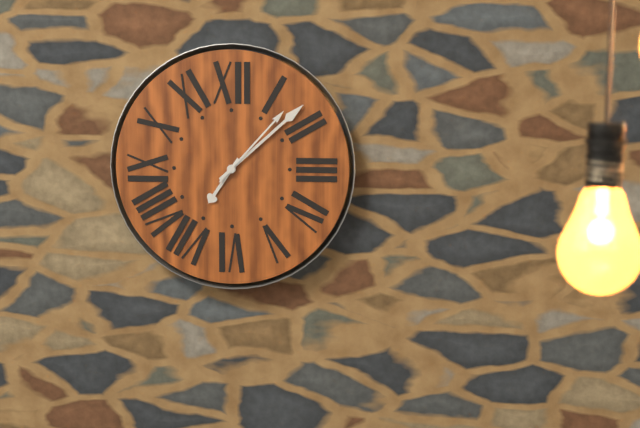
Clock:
7 h 08 min 07 s
